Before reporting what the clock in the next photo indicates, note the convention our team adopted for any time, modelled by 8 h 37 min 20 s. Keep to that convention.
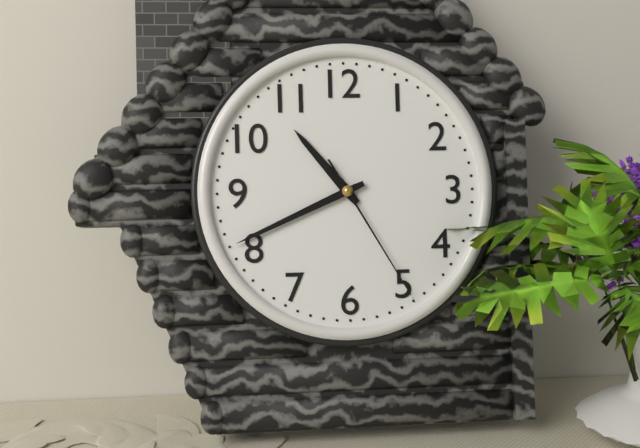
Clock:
10 h 41 min 25 s
